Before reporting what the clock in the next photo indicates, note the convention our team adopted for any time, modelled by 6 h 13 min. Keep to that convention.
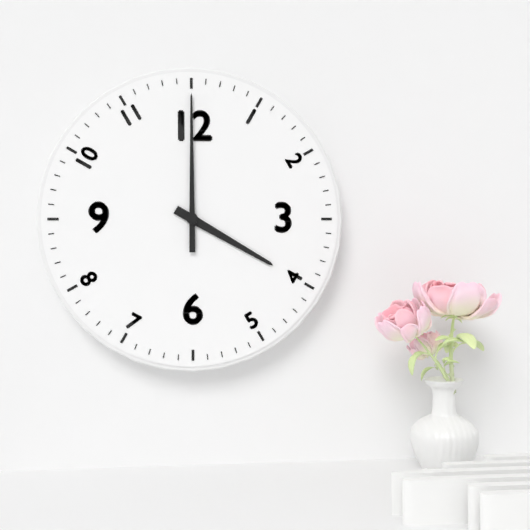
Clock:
4 h 00 min
